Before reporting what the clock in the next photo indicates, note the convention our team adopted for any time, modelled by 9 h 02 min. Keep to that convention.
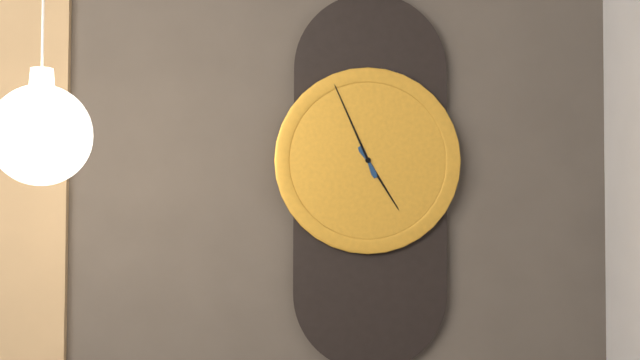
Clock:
4 h 56 min
